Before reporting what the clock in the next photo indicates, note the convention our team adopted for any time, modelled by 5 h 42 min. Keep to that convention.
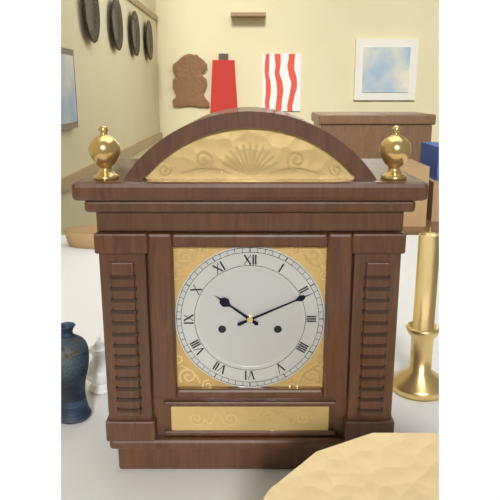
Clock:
10 h 11 min
